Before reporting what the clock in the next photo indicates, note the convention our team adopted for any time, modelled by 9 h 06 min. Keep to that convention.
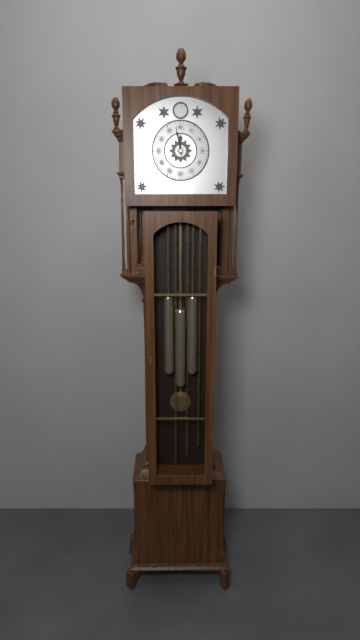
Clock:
11 h 58 min
